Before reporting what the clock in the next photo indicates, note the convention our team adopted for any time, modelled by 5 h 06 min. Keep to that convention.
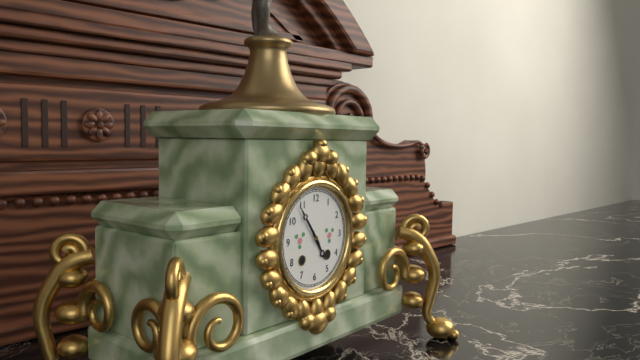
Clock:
4 h 54 min
